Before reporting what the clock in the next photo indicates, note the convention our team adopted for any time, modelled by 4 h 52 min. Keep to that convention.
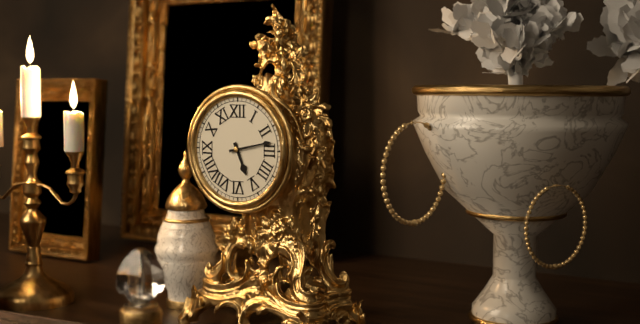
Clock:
5 h 13 min
